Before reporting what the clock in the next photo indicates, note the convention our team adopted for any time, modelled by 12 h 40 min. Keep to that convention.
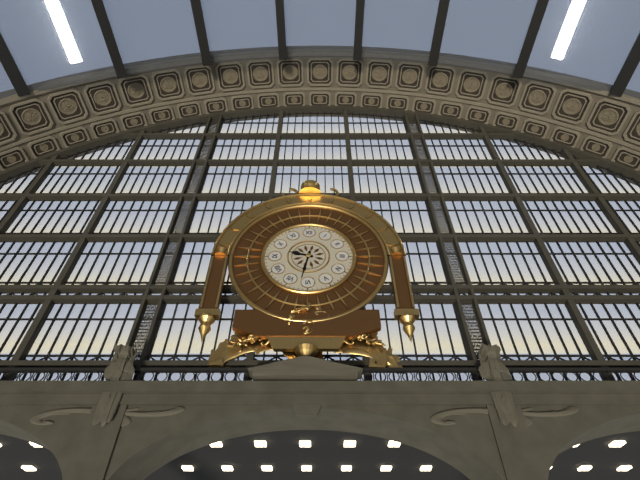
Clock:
9 h 32 min
